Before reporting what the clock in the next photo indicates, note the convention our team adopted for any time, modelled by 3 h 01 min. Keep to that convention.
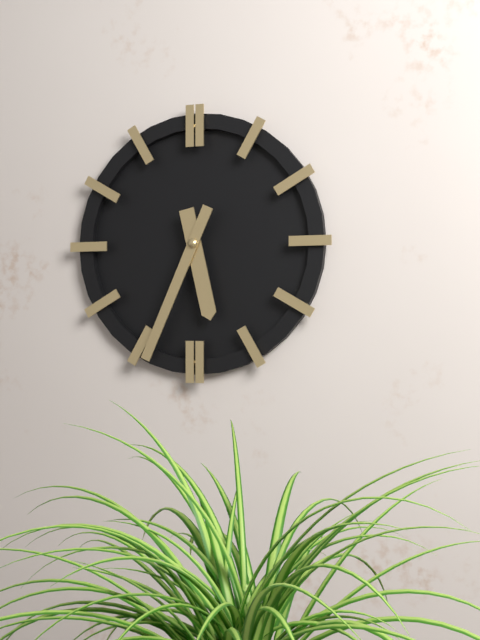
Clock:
5 h 34 min
